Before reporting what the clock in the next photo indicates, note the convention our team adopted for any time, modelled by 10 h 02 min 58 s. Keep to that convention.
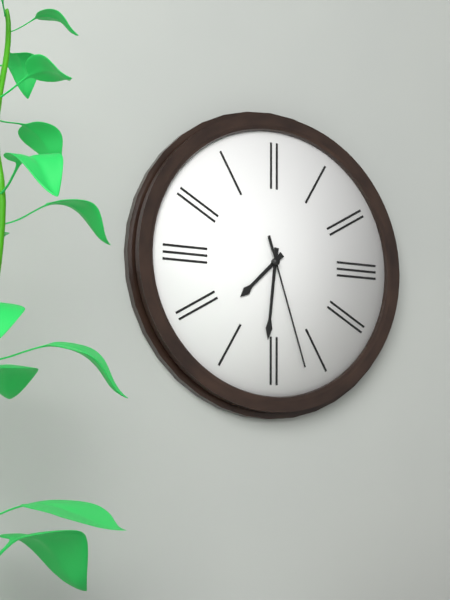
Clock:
7 h 31 min 27 s
